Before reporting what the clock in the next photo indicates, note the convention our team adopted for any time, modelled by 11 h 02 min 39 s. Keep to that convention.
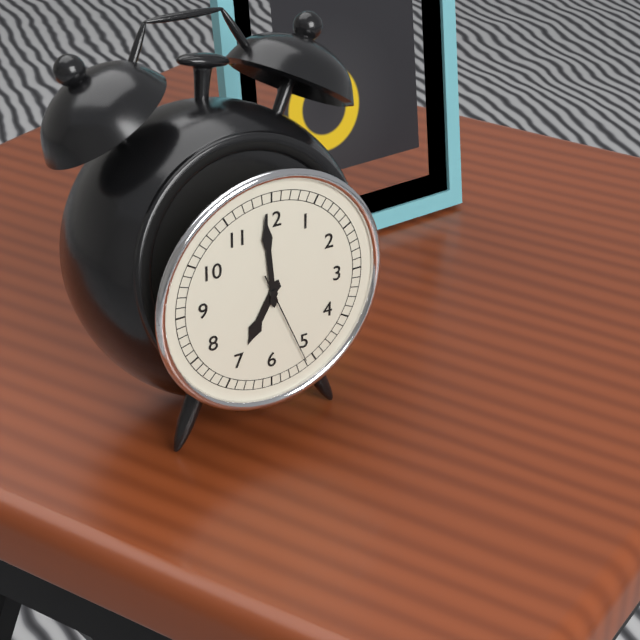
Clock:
6 h 59 min 26 s
